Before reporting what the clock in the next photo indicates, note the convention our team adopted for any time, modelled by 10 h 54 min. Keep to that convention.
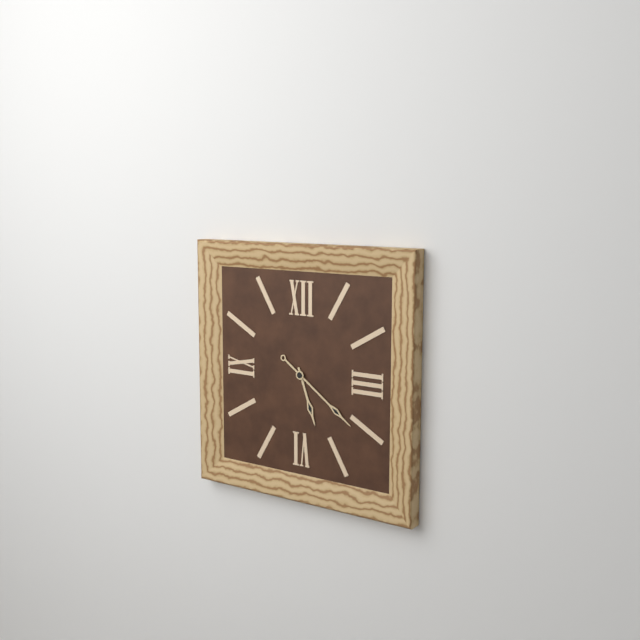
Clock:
5 h 21 min
